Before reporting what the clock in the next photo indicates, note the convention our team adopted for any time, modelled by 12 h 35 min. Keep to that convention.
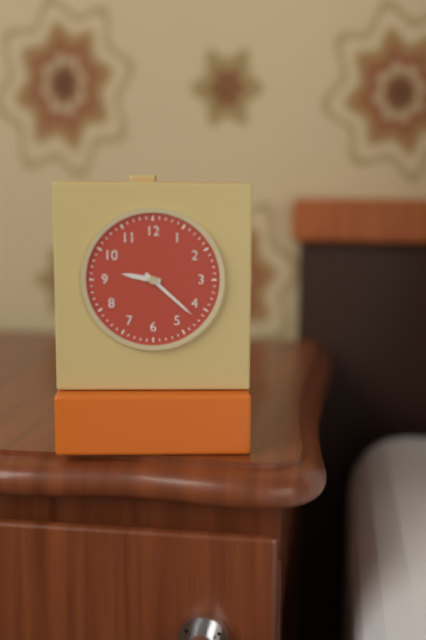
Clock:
9 h 22 min
